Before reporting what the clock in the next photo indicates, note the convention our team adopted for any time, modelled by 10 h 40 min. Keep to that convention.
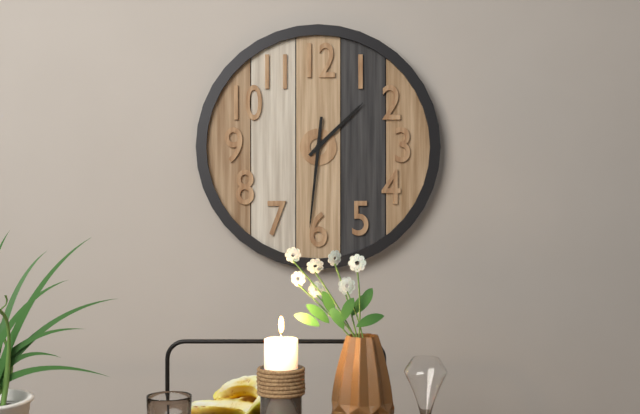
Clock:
1 h 31 min
